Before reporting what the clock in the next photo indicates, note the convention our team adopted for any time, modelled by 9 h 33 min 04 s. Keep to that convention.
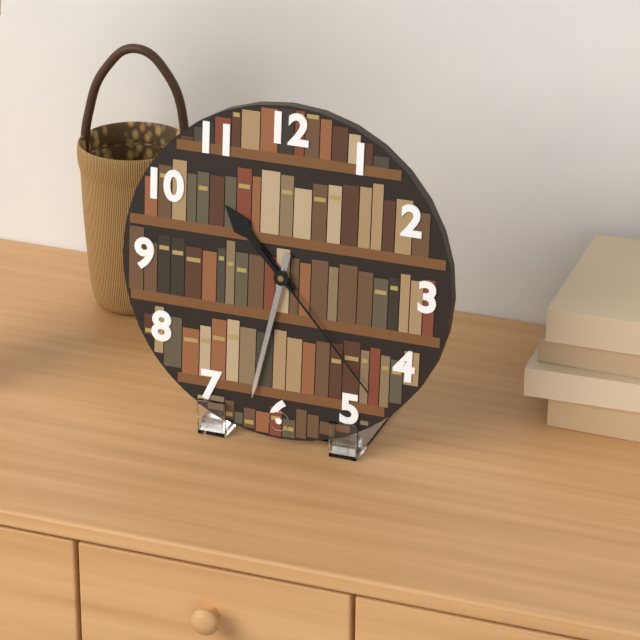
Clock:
10 h 32 min 23 s
